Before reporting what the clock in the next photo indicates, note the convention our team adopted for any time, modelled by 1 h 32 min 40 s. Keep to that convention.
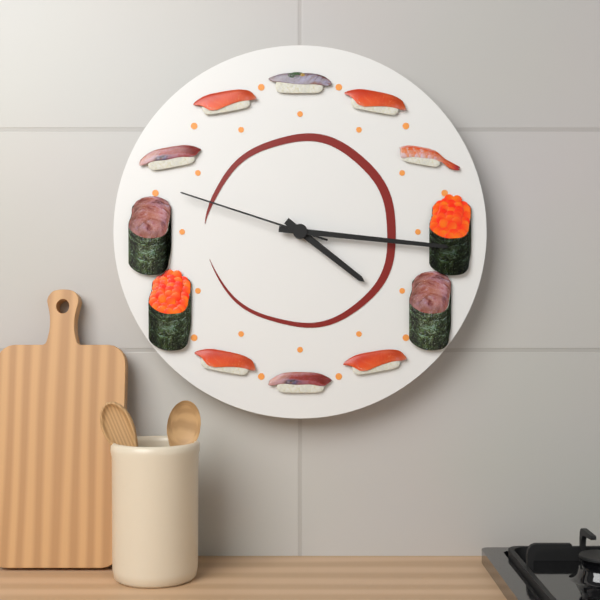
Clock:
4 h 16 min 48 s
